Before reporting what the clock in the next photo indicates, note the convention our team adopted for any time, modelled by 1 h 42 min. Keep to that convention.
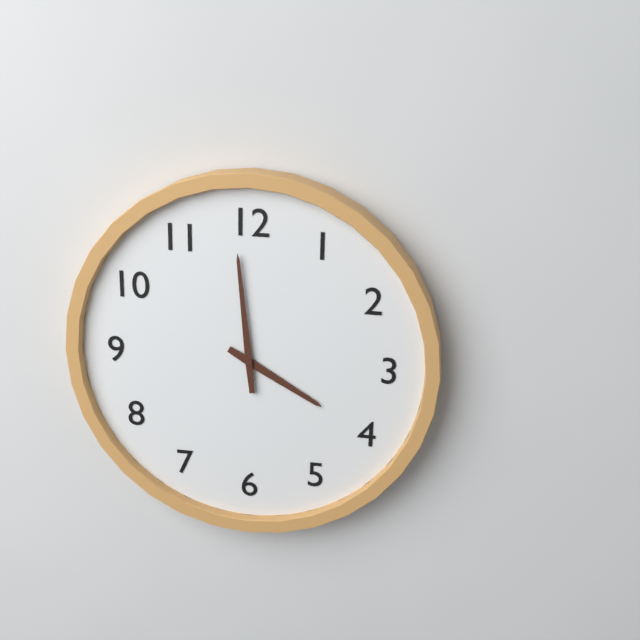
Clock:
3 h 59 min
